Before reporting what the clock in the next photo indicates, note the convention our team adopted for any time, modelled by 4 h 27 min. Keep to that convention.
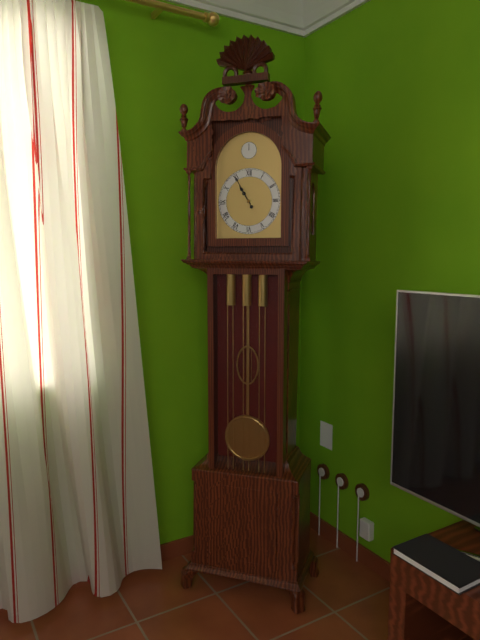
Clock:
10 h 55 min
